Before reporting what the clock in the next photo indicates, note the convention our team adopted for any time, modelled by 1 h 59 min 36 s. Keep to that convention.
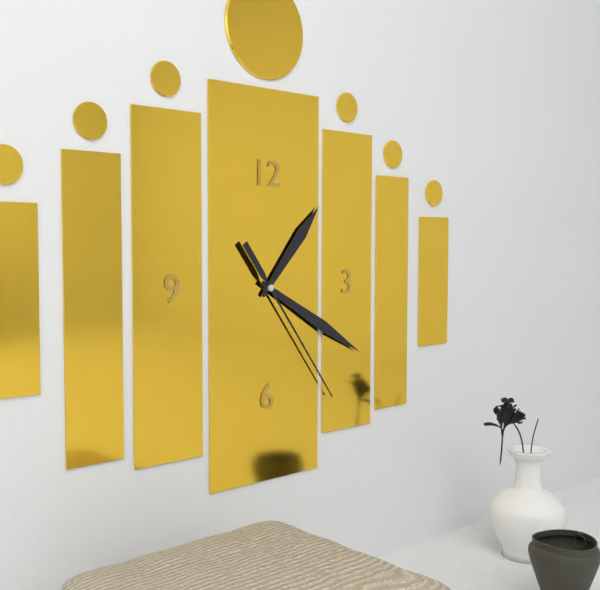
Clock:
1 h 20 min 24 s
